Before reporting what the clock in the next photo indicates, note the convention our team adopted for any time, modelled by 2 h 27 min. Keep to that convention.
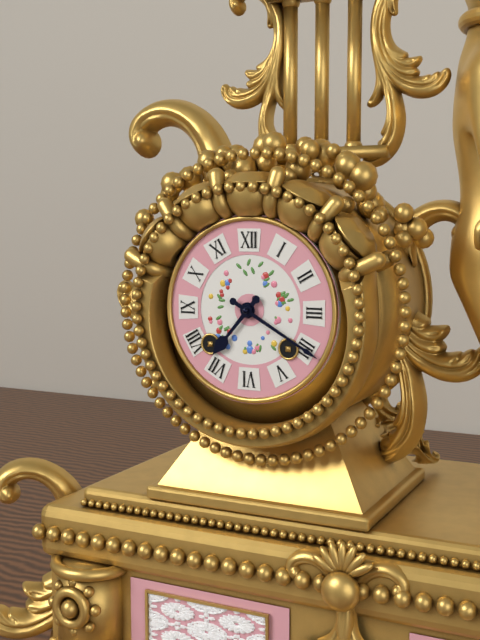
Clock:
7 h 20 min
